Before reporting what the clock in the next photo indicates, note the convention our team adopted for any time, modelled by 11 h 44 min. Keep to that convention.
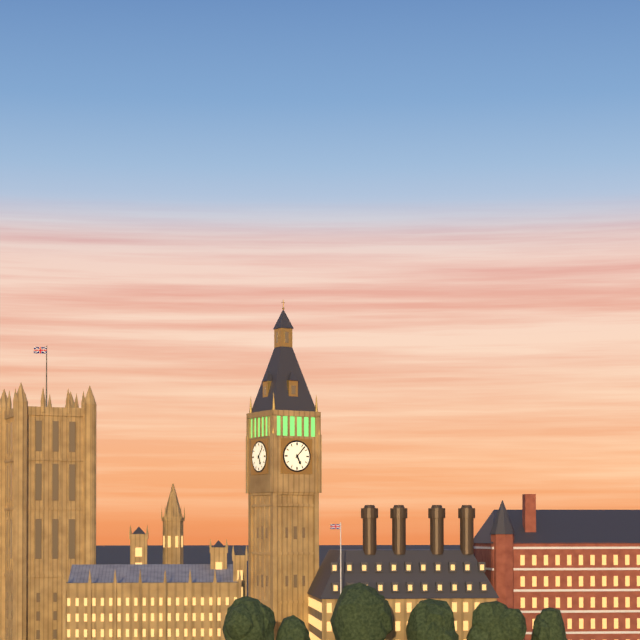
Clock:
5 h 07 min
